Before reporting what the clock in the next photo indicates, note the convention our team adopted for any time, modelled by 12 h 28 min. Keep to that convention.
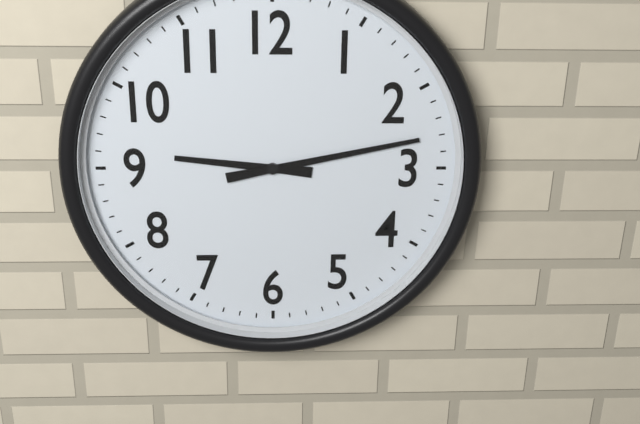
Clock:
9 h 13 min
